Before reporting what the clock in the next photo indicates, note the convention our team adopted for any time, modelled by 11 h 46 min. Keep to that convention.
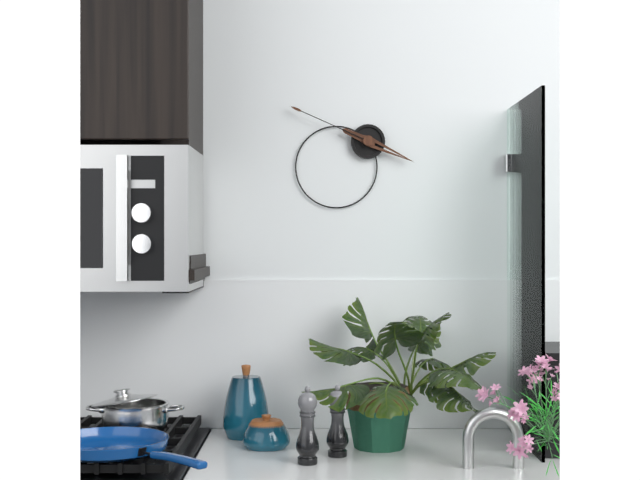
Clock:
3 h 49 min
